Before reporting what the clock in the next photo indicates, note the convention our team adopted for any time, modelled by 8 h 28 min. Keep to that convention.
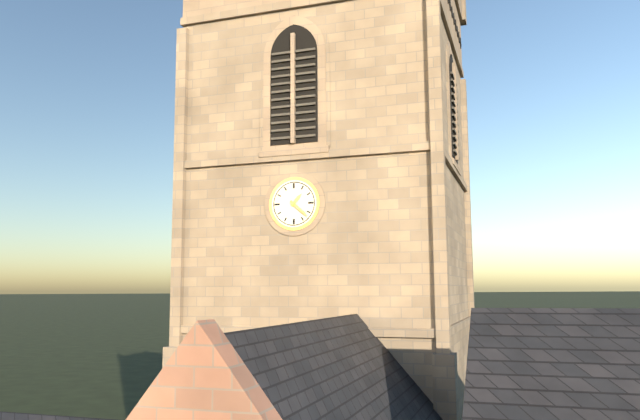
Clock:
1 h 22 min
